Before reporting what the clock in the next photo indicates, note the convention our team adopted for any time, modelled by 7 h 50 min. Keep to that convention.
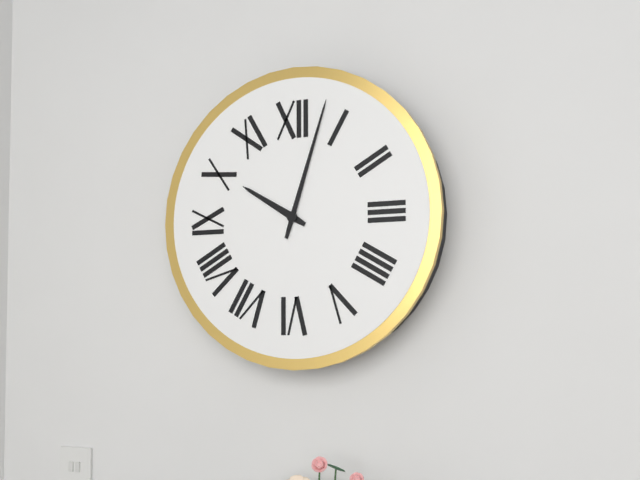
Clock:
10 h 03 min
